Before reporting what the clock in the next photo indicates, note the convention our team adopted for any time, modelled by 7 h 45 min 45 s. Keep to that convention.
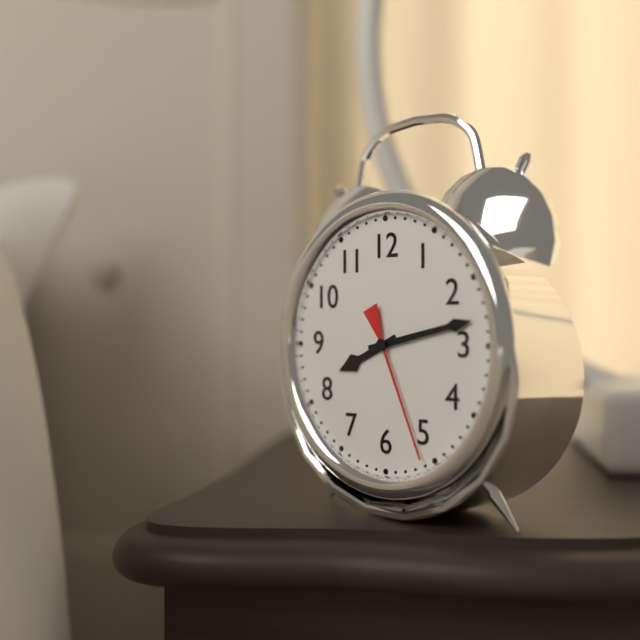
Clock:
8 h 13 min 26 s
